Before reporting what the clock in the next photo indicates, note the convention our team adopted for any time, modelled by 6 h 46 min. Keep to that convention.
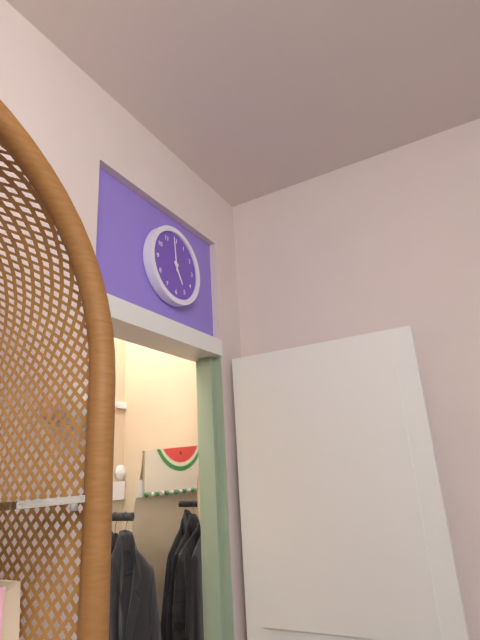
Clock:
4 h 59 min
